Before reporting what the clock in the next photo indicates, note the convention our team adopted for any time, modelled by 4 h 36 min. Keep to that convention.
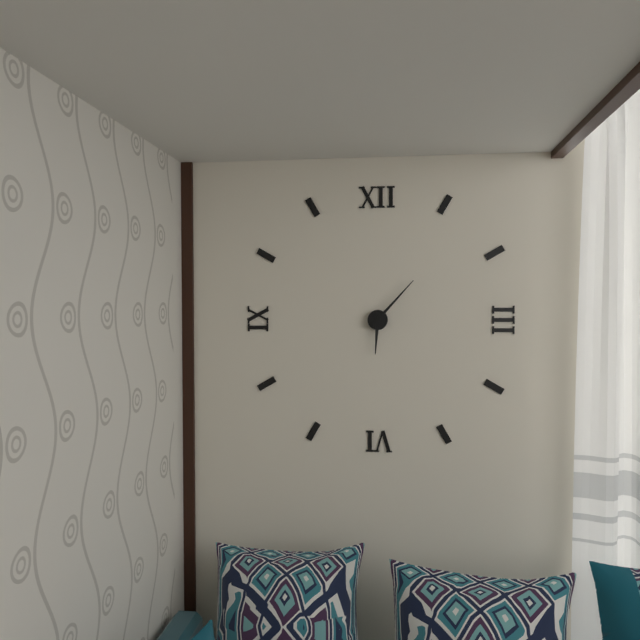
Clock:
6 h 07 min
